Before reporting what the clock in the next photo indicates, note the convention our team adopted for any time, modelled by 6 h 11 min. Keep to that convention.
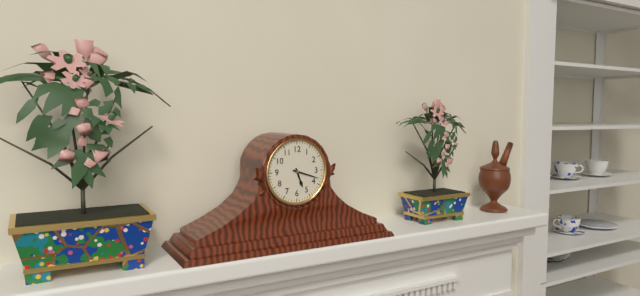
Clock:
5 h 18 min
